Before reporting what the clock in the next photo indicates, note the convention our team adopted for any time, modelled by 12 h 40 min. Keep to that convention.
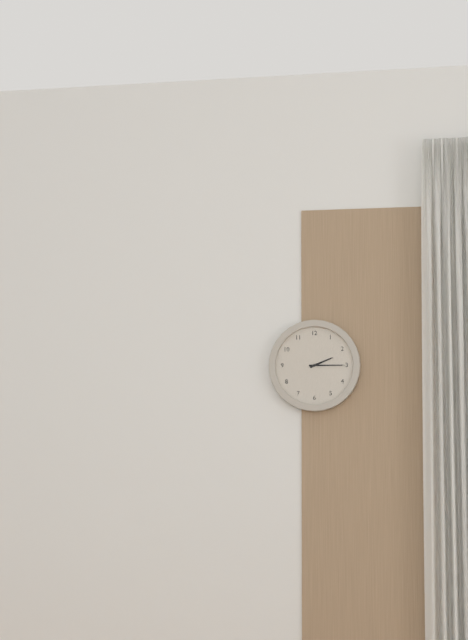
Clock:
2 h 15 min
